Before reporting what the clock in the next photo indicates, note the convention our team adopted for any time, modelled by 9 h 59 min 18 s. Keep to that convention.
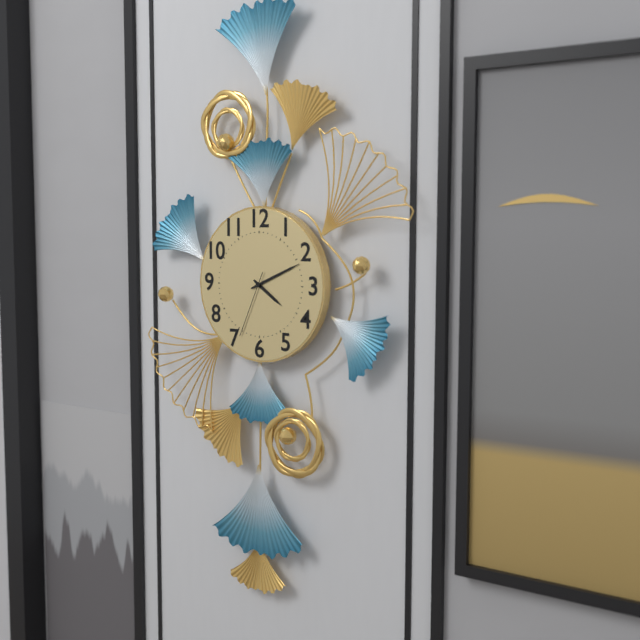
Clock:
4 h 11 min 34 s
